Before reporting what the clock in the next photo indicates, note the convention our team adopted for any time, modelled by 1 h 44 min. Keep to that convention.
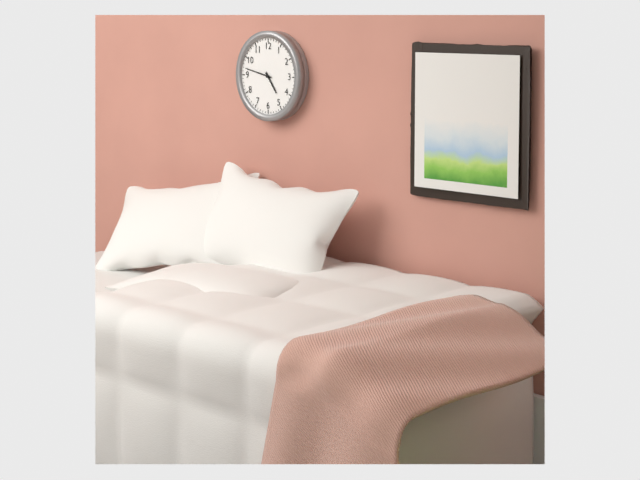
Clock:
4 h 47 min
